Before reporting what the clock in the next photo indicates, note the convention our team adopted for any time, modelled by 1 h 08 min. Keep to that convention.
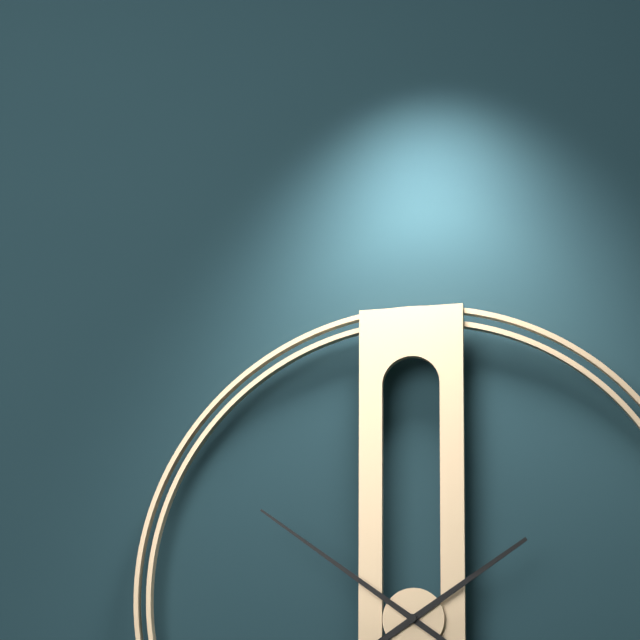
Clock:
1 h 51 min
